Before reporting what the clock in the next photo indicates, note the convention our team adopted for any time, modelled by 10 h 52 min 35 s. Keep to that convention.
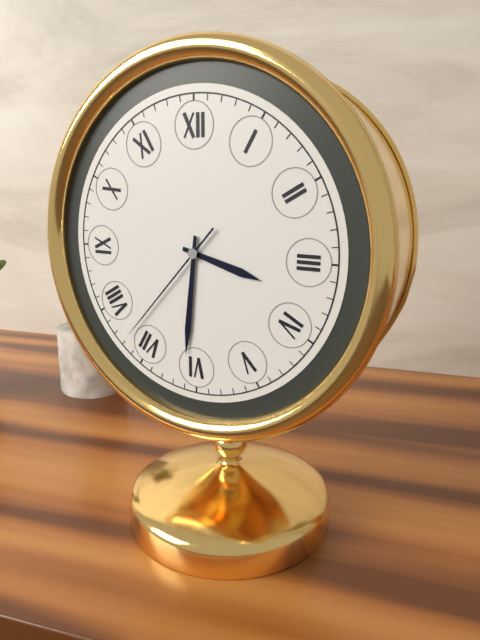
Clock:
3 h 31 min 37 s
